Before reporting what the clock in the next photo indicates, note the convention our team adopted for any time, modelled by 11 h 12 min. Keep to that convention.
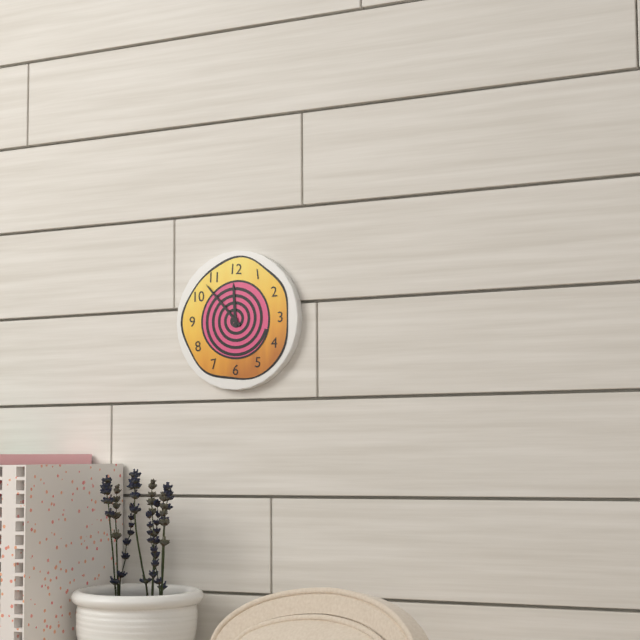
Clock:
11 h 53 min
